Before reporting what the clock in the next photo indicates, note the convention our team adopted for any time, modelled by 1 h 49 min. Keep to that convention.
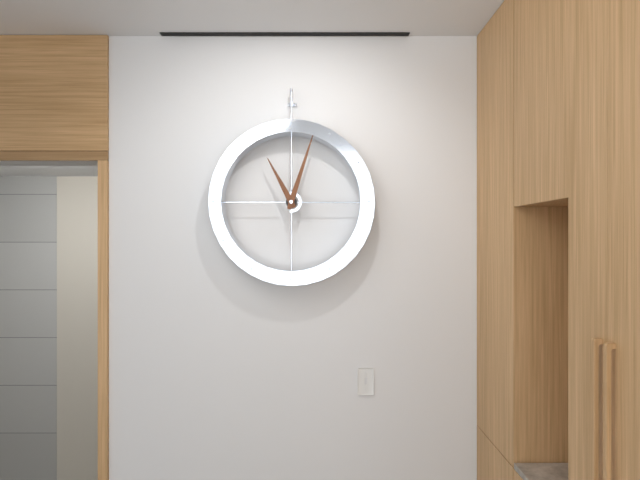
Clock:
11 h 03 min
